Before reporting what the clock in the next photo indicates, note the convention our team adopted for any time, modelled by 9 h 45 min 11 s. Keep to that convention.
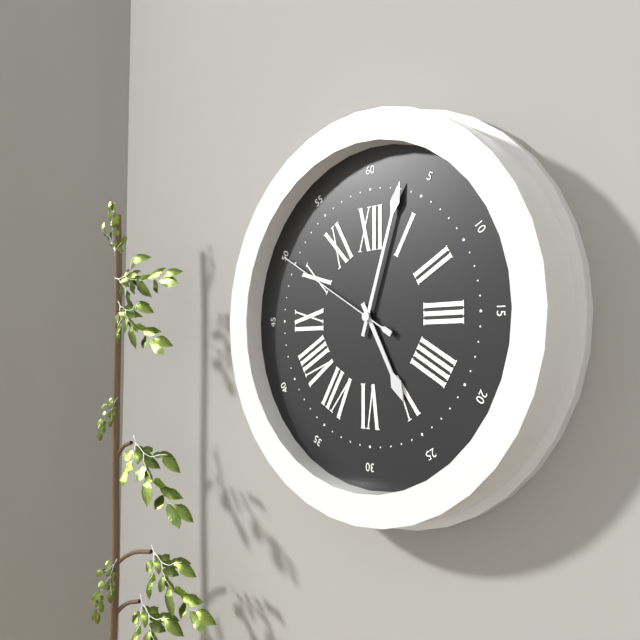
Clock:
5 h 03 min 50 s
